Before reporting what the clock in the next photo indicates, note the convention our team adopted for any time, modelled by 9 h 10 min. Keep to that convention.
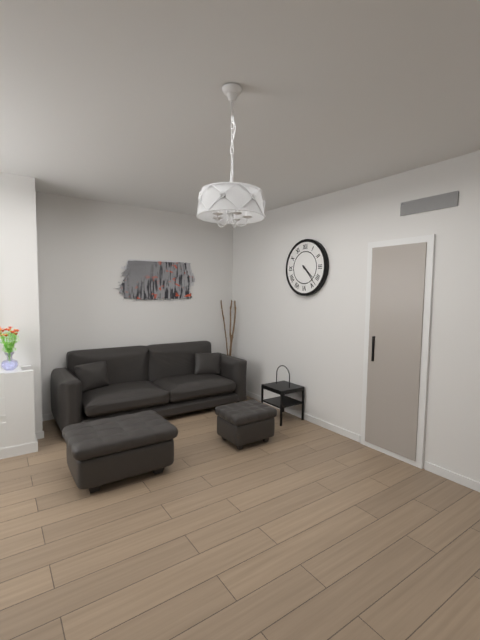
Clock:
4 h 23 min
